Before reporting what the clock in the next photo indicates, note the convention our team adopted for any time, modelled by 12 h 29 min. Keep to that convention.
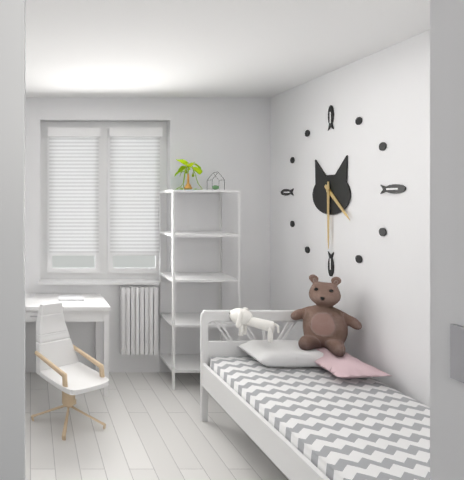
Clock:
4 h 30 min
